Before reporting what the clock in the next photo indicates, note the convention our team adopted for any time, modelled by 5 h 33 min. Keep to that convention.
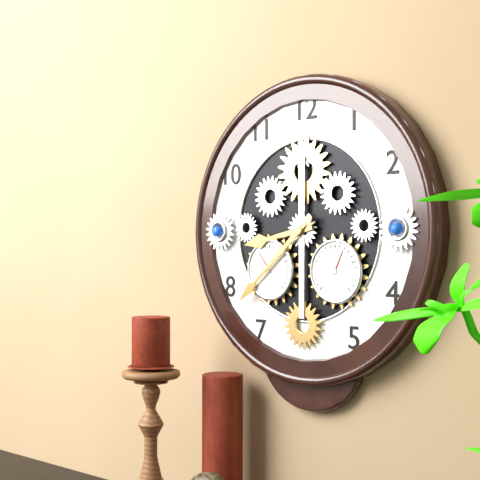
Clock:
8 h 38 min
